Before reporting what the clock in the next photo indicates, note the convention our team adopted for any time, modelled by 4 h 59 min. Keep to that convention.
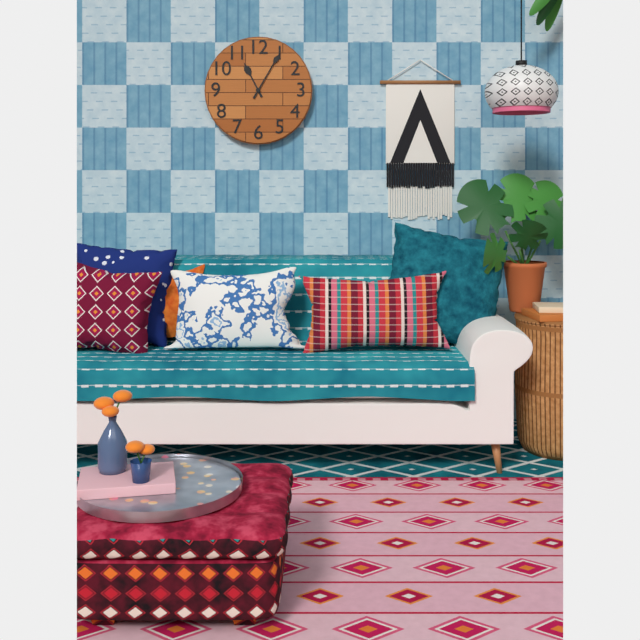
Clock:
11 h 05 min
